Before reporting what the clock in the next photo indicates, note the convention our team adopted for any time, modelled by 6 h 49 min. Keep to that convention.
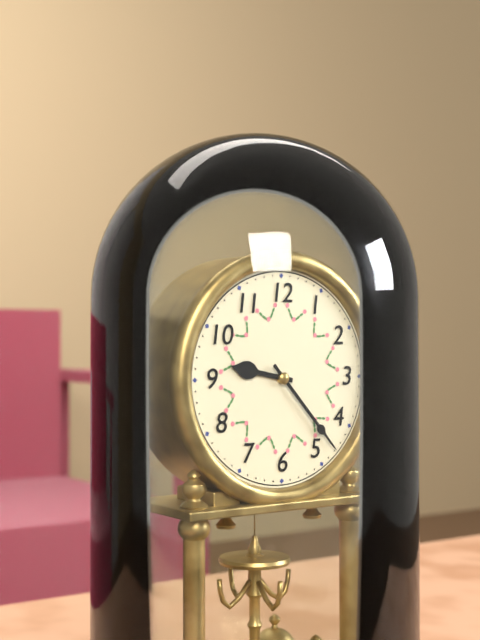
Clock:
9 h 23 min
